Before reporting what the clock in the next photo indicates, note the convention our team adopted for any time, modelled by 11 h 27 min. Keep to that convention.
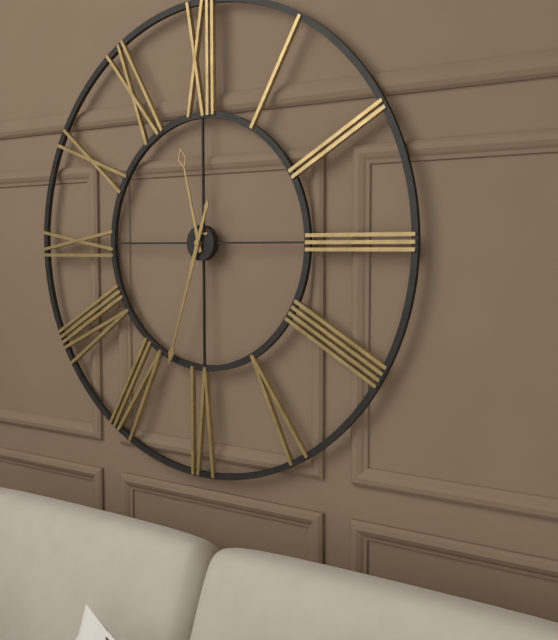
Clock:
11 h 33 min
